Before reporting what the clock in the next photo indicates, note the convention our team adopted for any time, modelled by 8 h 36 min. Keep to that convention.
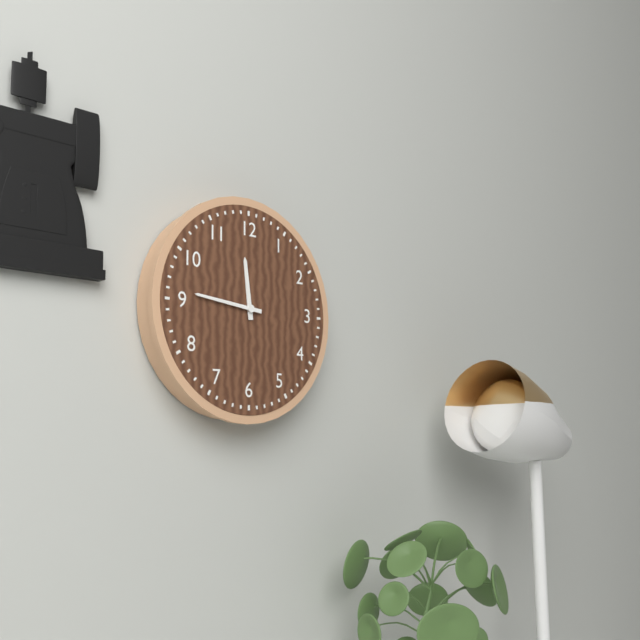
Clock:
11 h 46 min
